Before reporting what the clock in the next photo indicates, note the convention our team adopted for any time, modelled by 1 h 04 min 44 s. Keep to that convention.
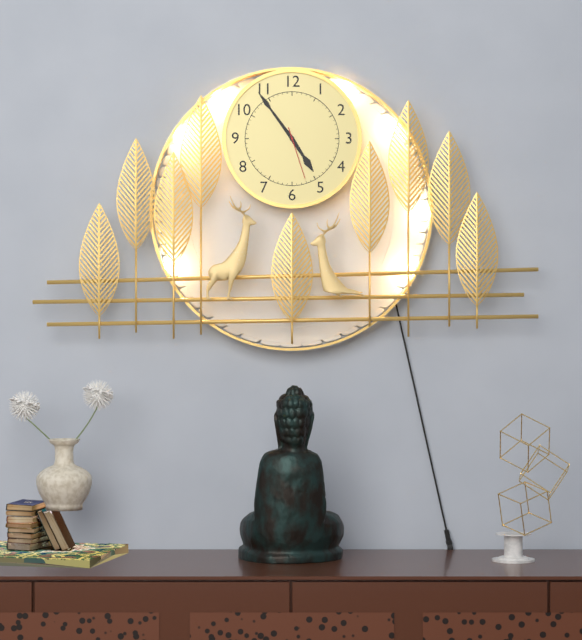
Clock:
4 h 54 min 27 s
